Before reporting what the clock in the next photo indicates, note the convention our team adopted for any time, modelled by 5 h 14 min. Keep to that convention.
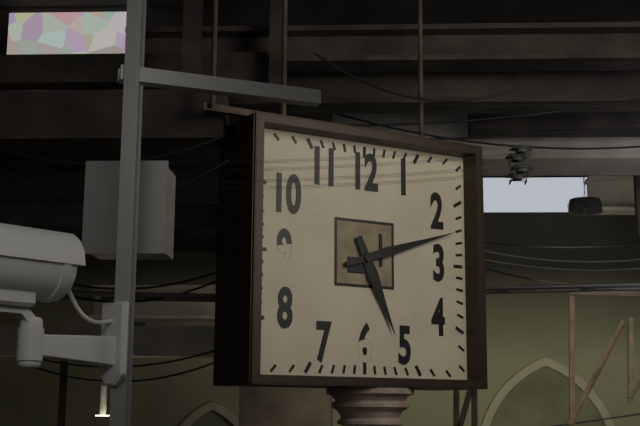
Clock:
5 h 12 min
